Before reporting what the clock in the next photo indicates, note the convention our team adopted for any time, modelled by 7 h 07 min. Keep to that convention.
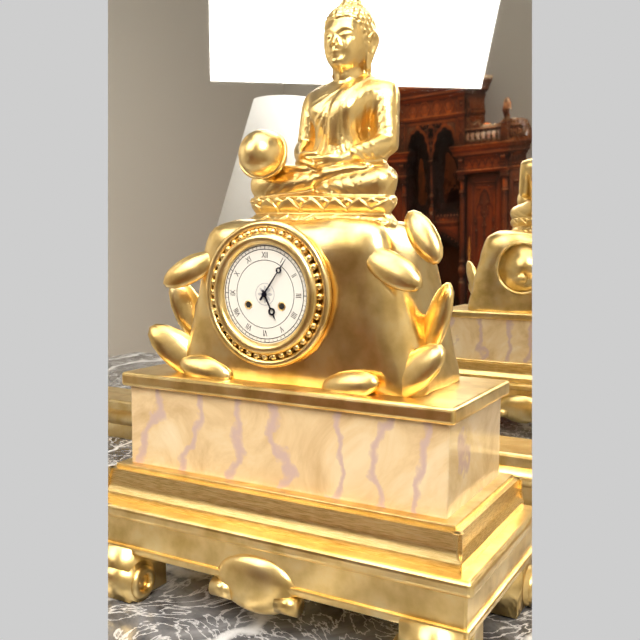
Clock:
5 h 06 min
